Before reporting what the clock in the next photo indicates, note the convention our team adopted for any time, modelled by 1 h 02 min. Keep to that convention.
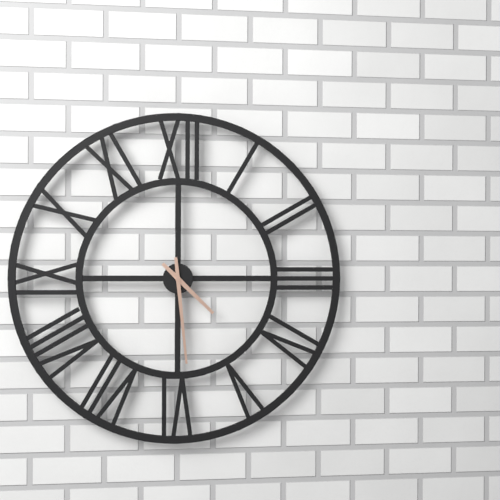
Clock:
4 h 29 min
